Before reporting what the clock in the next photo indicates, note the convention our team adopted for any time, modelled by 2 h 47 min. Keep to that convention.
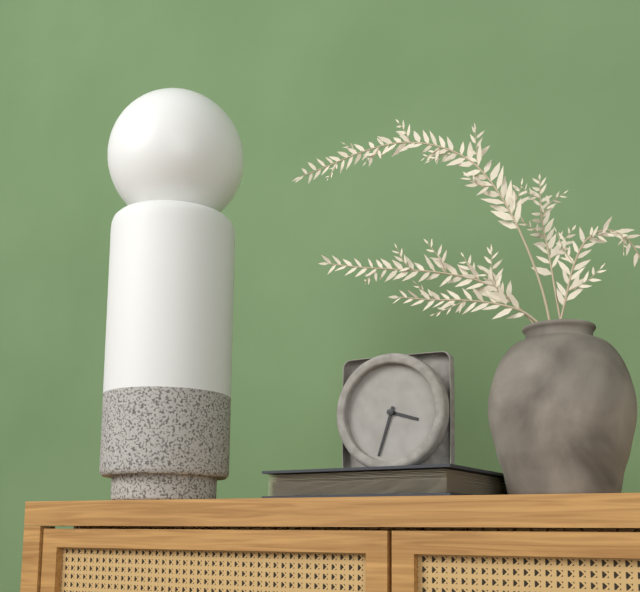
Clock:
3 h 33 min
